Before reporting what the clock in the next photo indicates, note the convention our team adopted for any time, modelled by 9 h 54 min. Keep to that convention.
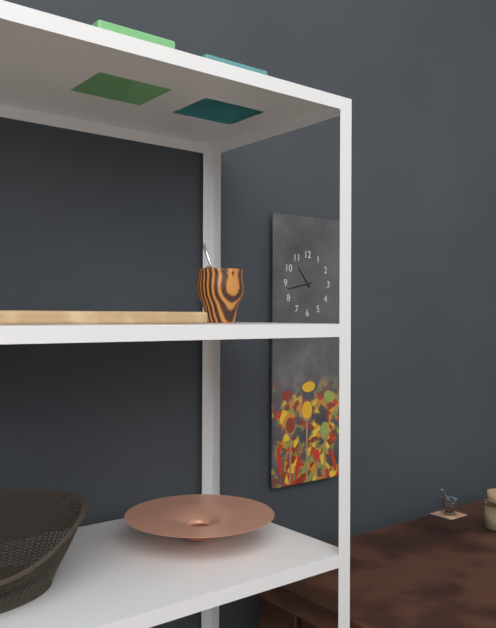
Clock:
10 h 43 min
